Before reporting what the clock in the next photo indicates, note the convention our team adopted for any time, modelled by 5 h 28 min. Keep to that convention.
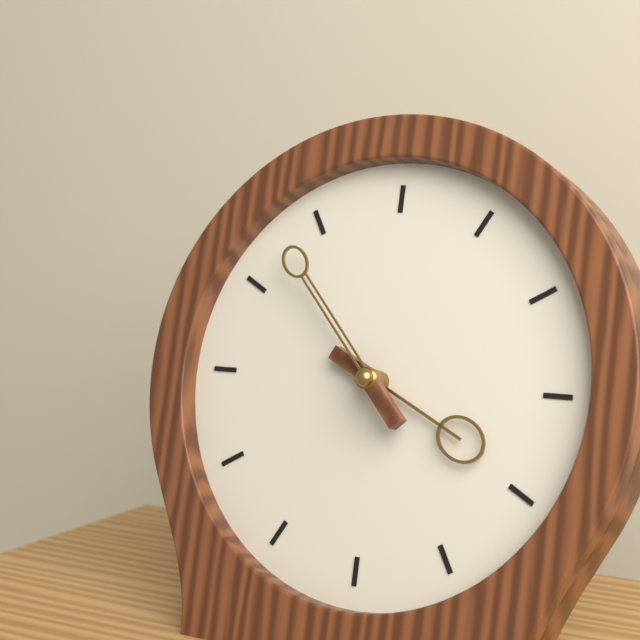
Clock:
3 h 53 min
